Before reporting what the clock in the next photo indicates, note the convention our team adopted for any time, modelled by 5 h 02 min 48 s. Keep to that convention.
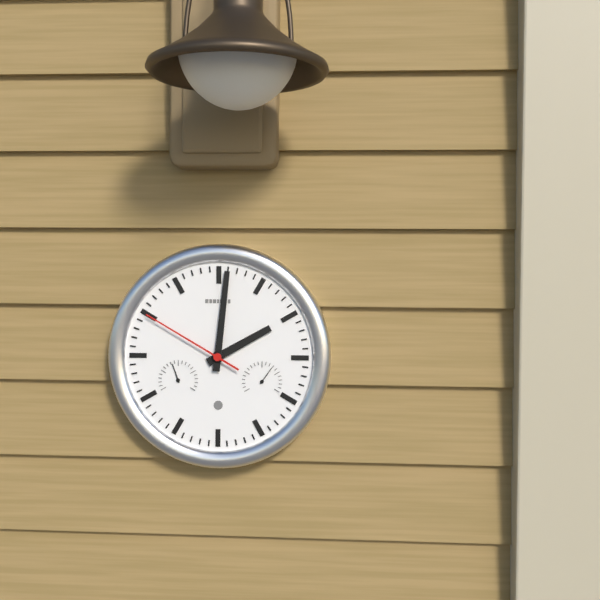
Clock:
2 h 01 min 50 s
